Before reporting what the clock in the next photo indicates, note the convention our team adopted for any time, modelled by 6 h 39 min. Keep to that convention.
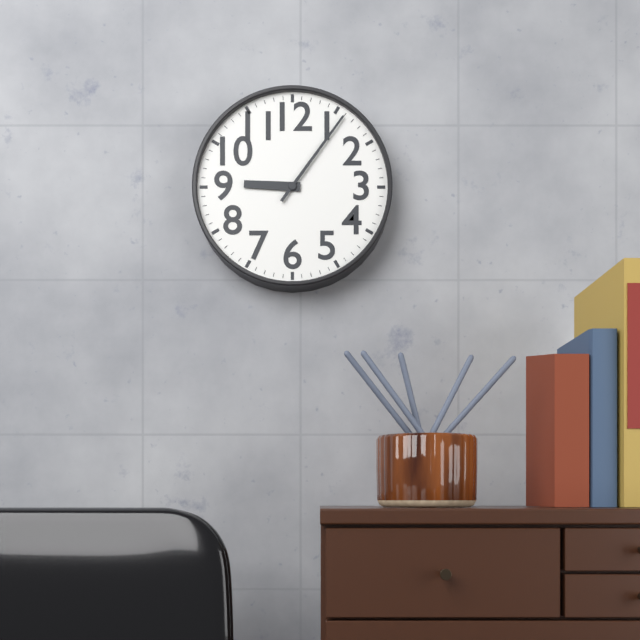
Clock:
9 h 06 min
